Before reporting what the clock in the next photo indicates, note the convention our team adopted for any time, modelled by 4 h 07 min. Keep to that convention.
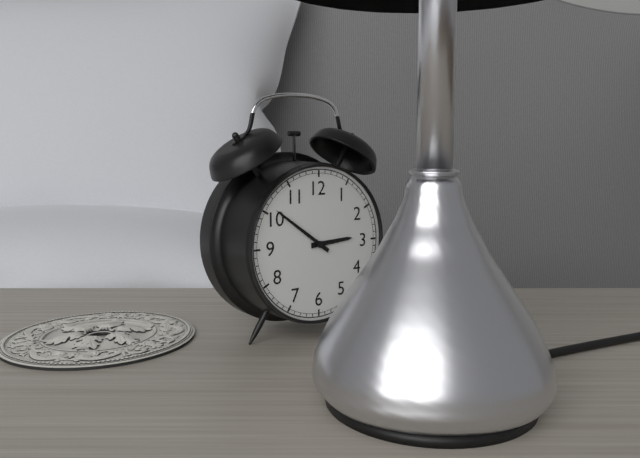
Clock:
2 h 51 min
